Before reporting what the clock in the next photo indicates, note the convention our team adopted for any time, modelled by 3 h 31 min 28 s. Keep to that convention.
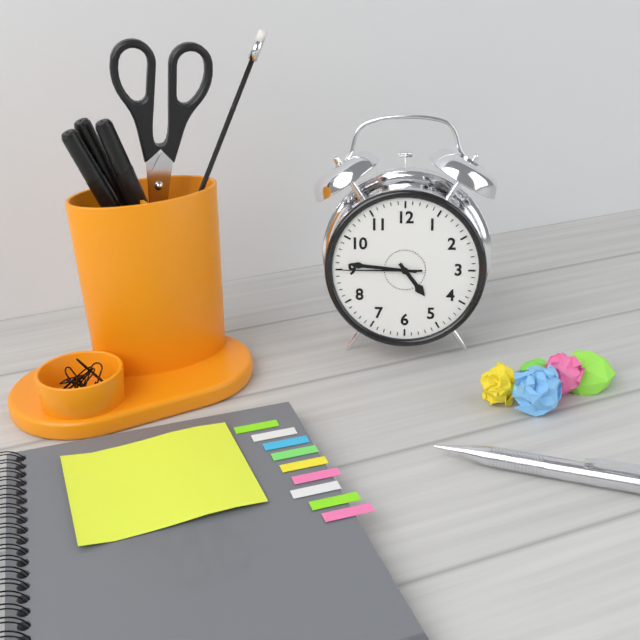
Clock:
4 h 46 min 45 s
